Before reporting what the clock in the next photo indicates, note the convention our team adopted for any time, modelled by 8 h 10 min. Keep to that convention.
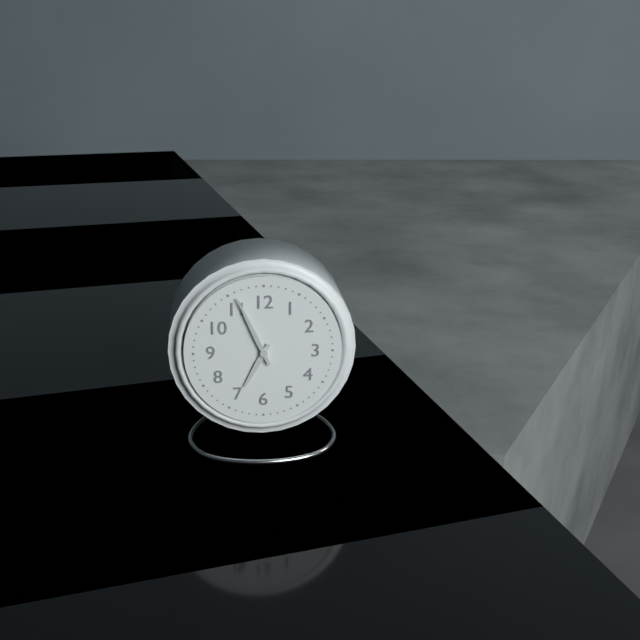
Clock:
6 h 56 min
